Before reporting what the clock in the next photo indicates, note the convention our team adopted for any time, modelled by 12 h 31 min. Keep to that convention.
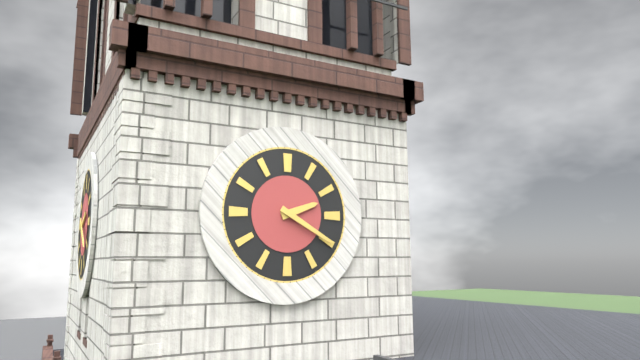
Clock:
2 h 20 min
